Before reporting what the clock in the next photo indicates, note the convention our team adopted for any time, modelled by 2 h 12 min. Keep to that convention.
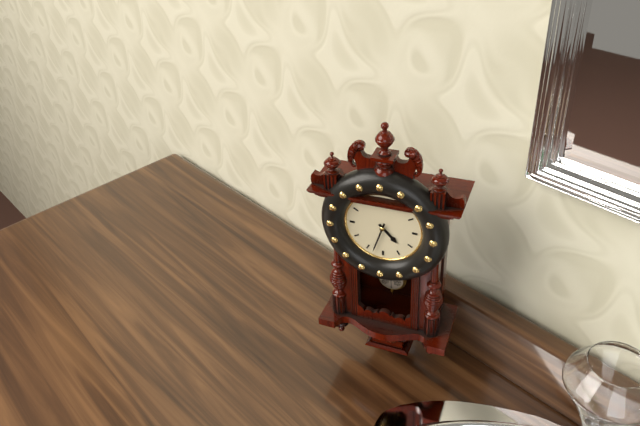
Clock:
4 h 33 min
